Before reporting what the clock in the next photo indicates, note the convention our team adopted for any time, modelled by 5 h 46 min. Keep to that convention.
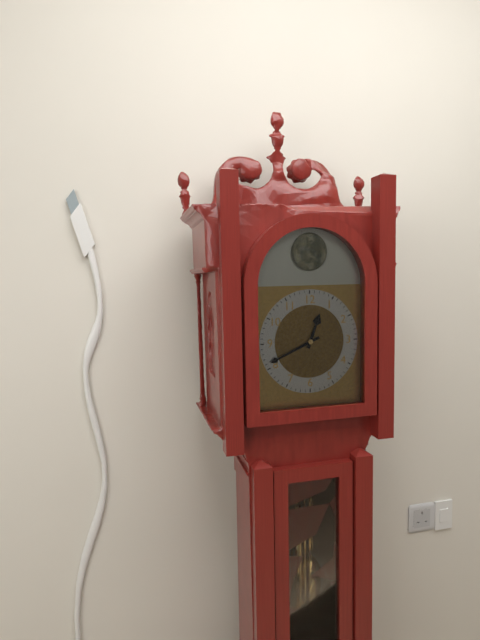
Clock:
12 h 41 min
